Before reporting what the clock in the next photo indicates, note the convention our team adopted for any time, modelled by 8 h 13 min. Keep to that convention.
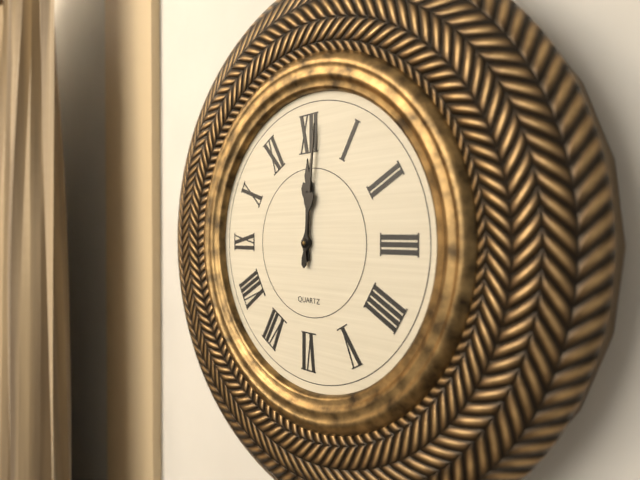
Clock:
12 h 01 min
